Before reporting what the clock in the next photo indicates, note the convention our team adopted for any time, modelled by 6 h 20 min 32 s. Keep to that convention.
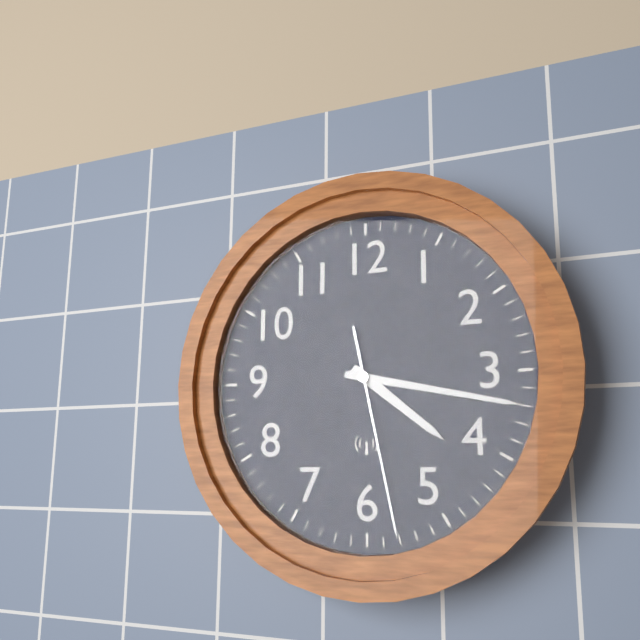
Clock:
4 h 17 min 28 s
